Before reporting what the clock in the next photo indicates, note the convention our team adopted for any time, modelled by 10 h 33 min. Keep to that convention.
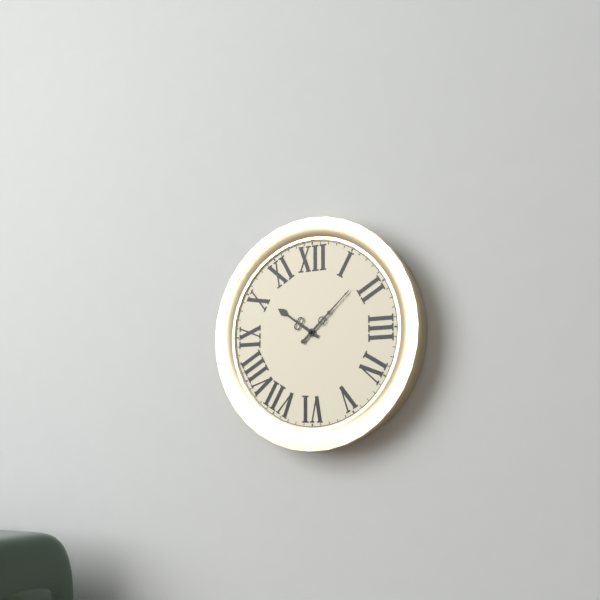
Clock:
10 h 08 min
